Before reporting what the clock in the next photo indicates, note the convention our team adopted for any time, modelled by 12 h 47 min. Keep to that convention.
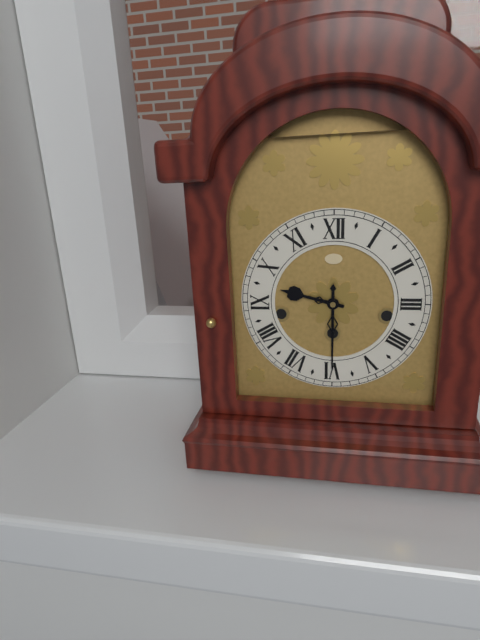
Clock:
9 h 30 min
